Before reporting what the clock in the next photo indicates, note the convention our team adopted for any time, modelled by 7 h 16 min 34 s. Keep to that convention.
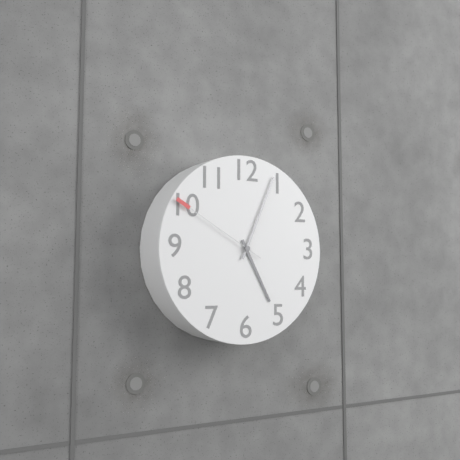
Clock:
5 h 04 min 50 s
